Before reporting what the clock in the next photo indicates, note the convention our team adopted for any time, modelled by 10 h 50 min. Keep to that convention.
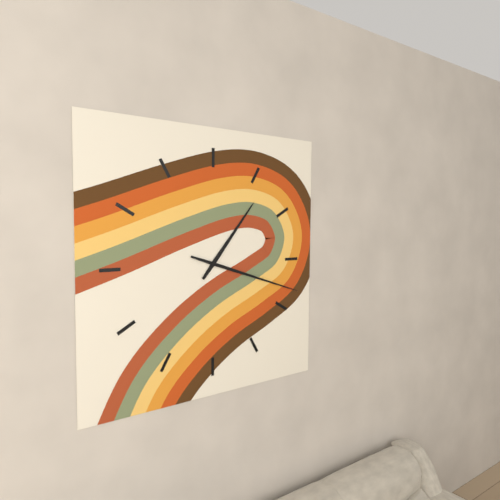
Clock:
1 h 18 min
